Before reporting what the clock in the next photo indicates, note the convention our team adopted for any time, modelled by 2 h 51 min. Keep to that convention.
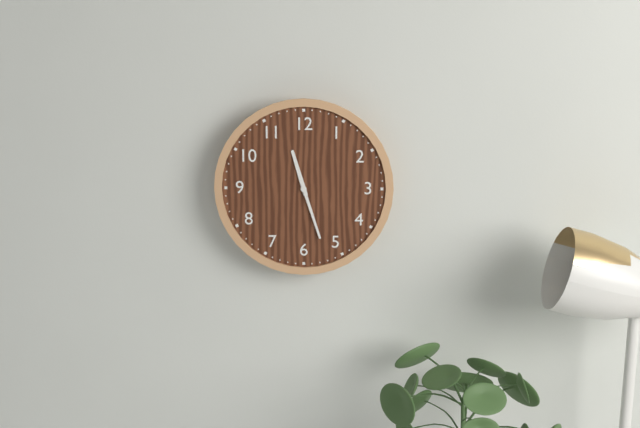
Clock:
11 h 27 min
